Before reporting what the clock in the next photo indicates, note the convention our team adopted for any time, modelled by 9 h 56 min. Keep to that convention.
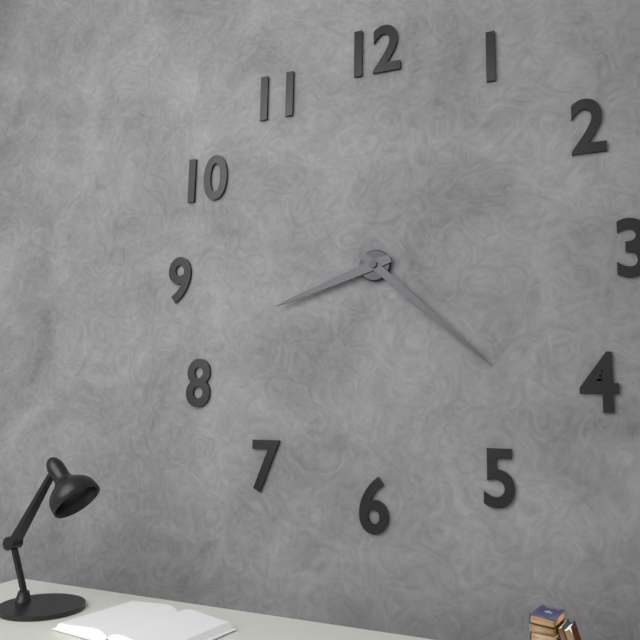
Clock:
8 h 22 min
